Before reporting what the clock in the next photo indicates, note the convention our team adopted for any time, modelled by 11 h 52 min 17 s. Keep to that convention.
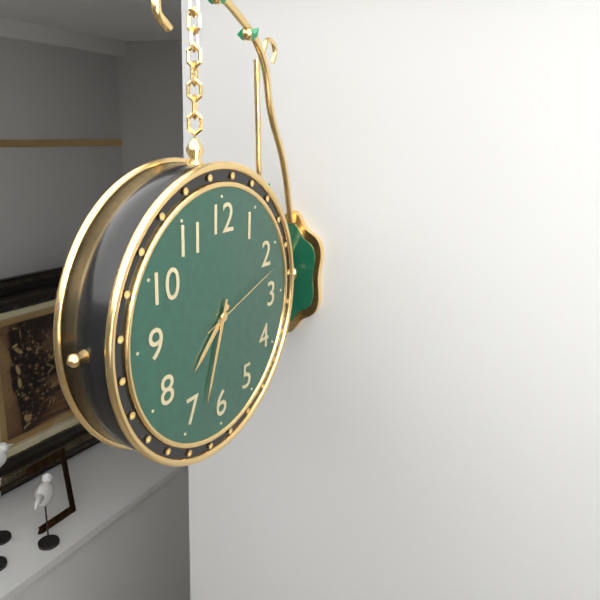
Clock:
7 h 33 min 12 s
